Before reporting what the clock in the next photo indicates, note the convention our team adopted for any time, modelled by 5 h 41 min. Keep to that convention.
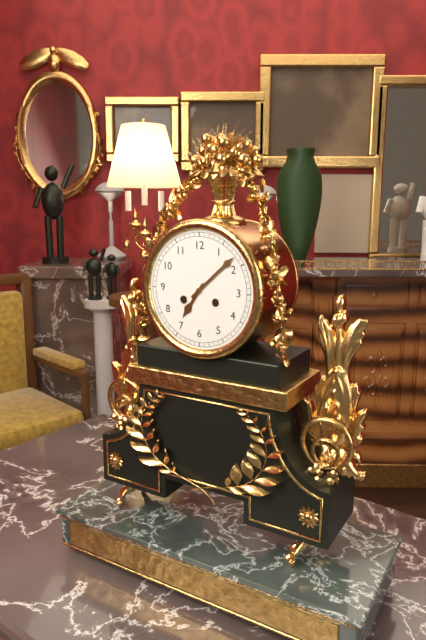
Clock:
7 h 08 min
